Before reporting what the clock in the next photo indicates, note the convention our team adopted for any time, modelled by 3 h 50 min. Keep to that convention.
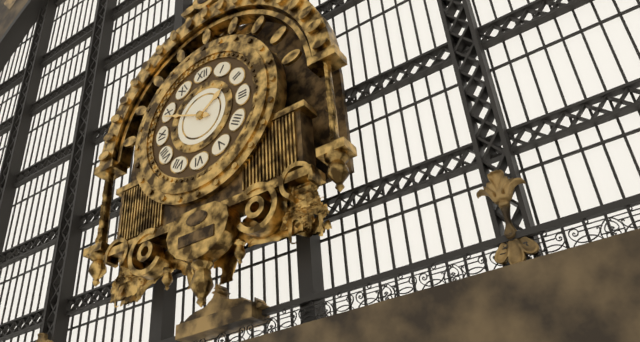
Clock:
1 h 49 min
